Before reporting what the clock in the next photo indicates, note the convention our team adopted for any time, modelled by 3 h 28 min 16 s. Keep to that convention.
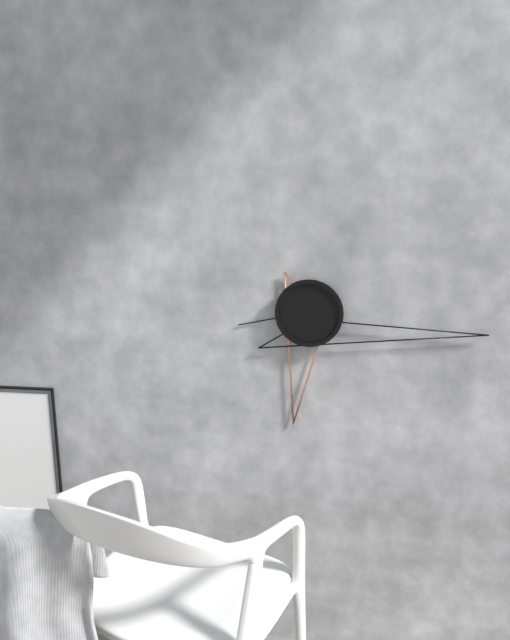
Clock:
6 h 16 min 43 s
